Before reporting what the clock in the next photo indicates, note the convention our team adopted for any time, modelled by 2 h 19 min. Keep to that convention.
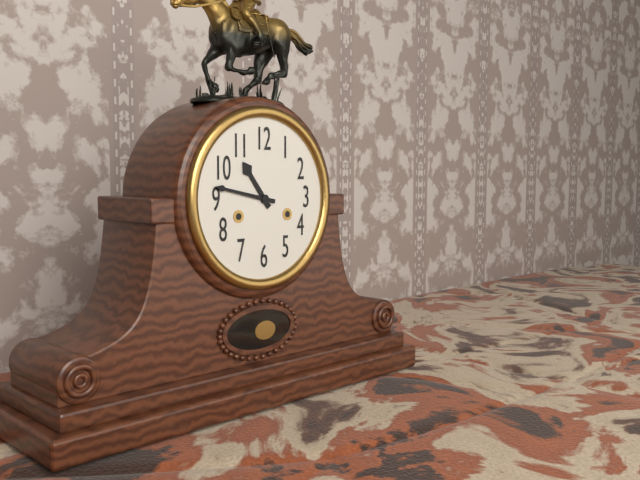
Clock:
10 h 47 min
